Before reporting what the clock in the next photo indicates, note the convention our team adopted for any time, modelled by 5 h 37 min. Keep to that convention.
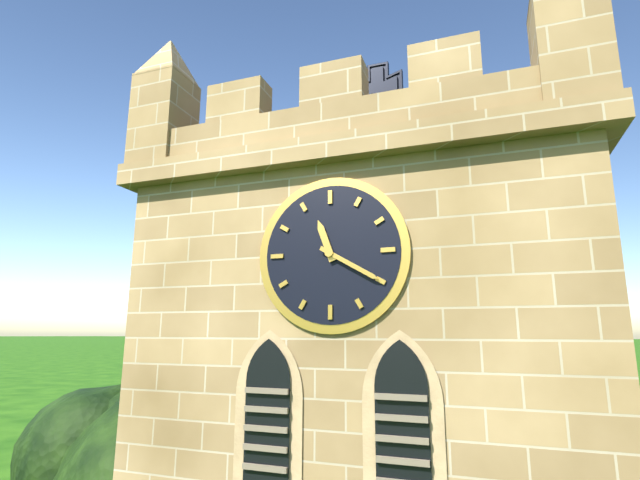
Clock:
11 h 20 min
